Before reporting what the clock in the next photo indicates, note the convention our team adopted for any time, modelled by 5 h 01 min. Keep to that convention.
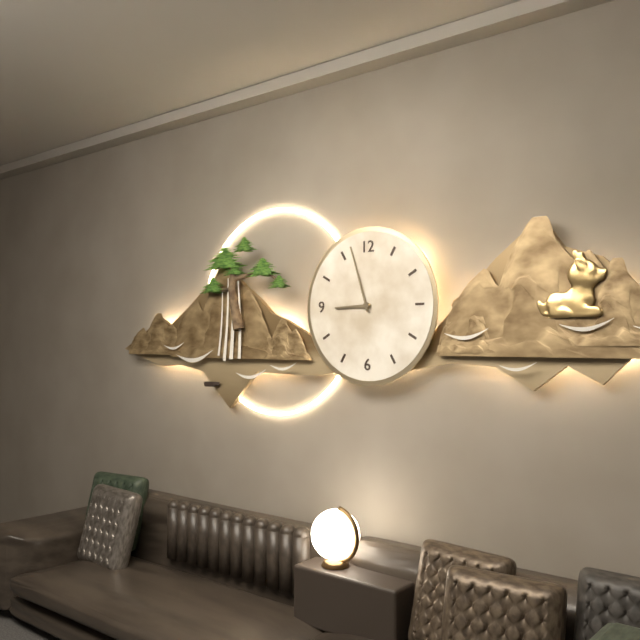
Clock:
8 h 57 min
